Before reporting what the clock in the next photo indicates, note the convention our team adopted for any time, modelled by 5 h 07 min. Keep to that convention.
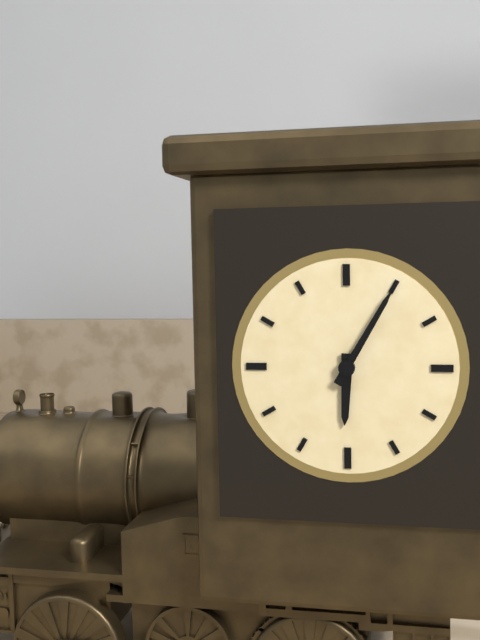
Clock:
6 h 05 min
